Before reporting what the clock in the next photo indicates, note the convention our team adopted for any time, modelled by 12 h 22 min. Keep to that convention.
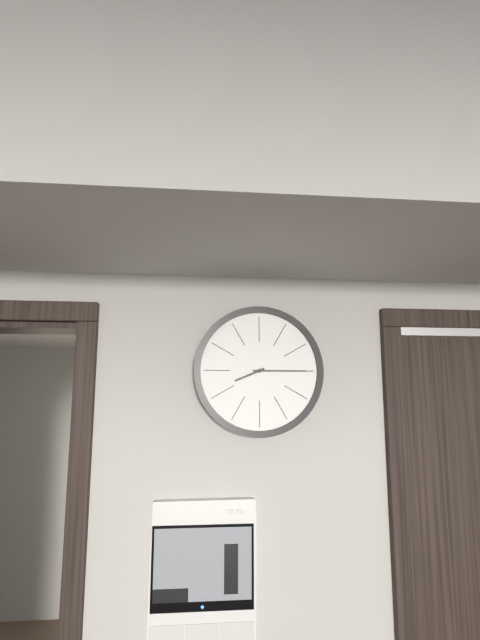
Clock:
8 h 15 min
